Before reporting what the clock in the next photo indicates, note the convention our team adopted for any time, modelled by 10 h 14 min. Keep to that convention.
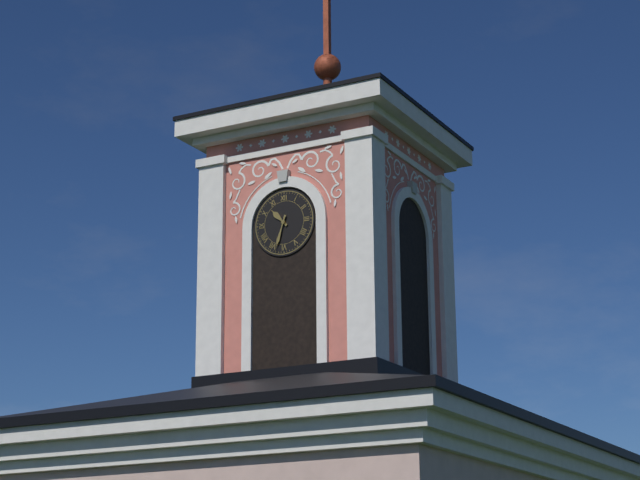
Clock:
10 h 33 min
